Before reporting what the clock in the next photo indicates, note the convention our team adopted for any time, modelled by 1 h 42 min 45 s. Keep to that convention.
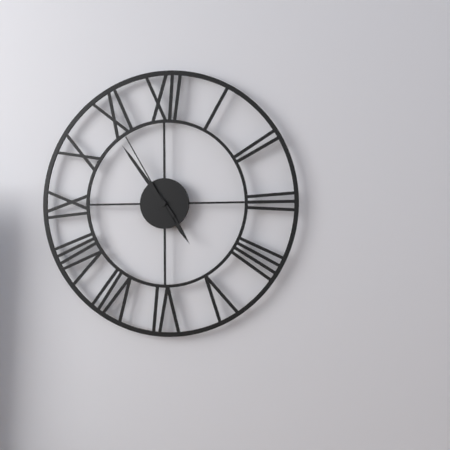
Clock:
4 h 54 min 55 s
